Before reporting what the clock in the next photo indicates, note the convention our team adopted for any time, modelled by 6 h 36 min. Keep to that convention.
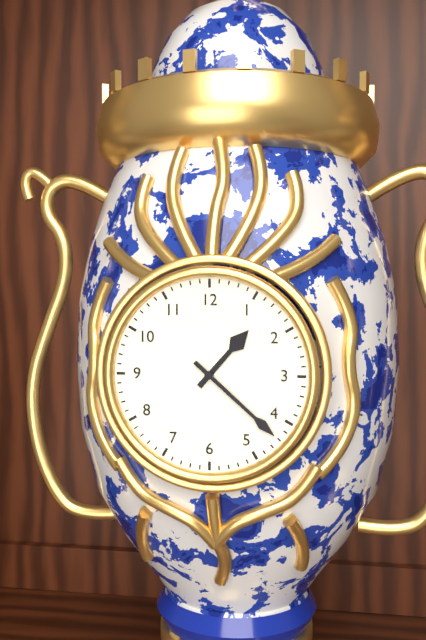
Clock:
1 h 22 min
